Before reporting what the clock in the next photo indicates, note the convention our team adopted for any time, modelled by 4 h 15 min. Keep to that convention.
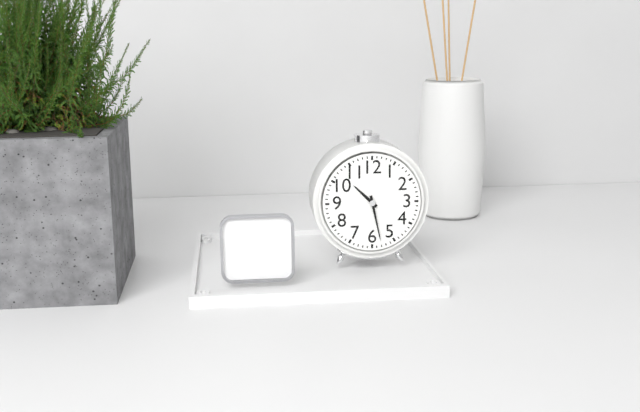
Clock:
10 h 28 min
